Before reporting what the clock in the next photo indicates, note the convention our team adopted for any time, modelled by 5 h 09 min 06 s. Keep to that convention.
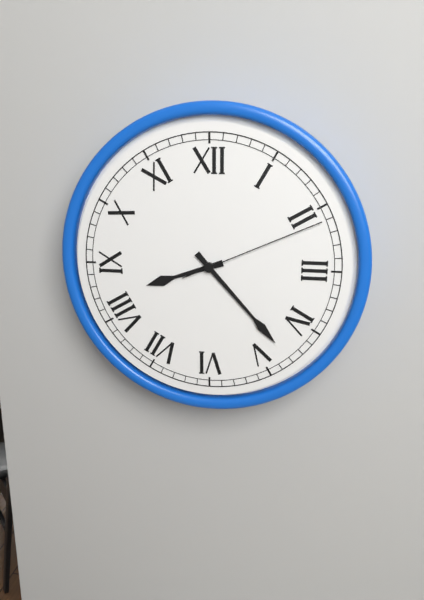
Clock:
8 h 23 min 11 s
